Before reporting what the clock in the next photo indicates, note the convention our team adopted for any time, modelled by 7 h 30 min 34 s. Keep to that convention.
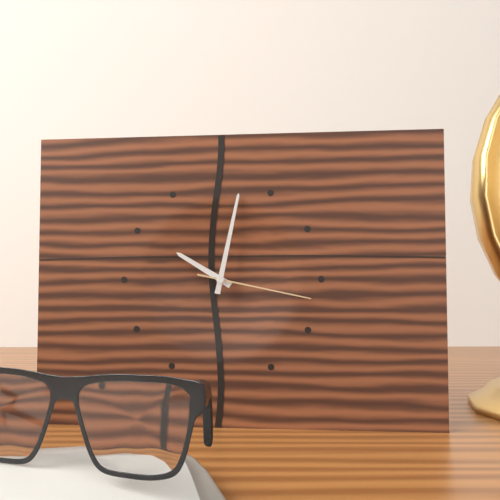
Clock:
10 h 02 min 17 s
